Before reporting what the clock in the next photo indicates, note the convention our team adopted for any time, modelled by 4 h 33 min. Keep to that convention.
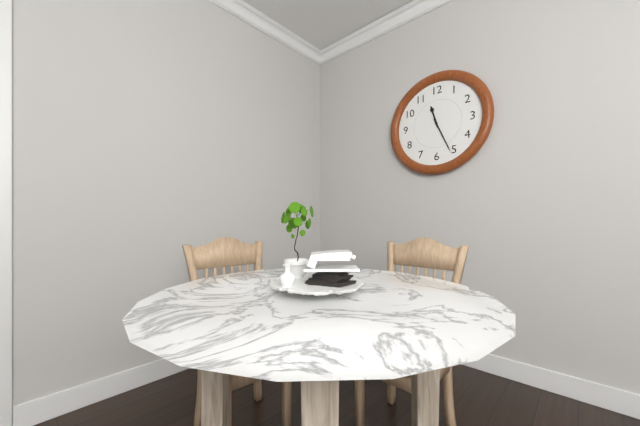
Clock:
11 h 26 min
